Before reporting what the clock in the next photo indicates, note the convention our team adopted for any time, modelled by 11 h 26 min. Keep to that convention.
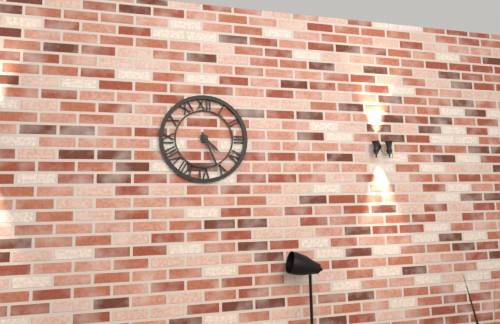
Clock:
4 h 26 min
